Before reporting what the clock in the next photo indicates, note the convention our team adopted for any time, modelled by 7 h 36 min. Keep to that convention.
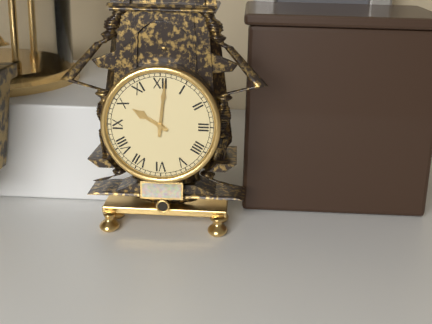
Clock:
10 h 01 min
